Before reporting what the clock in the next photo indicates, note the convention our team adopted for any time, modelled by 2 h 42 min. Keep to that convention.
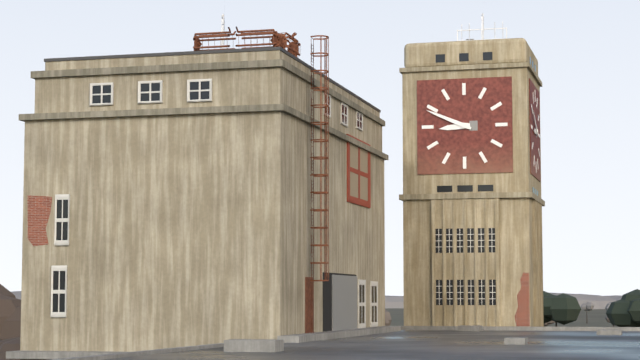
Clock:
8 h 49 min
